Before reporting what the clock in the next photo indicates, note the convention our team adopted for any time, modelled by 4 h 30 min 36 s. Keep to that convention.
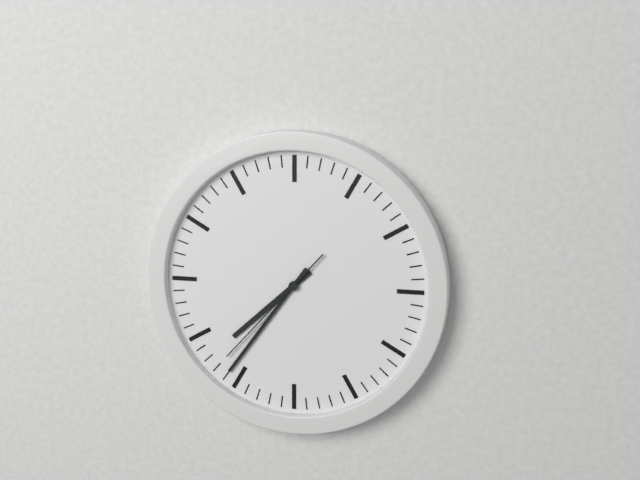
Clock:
7 h 36 min 37 s
